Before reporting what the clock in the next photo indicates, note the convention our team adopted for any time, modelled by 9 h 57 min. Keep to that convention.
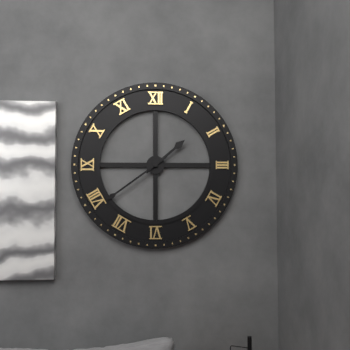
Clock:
1 h 39 min
